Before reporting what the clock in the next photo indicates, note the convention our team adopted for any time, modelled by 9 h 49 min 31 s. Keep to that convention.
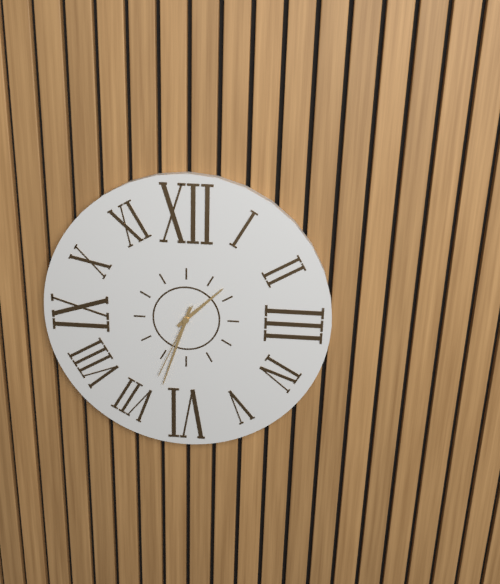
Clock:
1 h 33 min 34 s
